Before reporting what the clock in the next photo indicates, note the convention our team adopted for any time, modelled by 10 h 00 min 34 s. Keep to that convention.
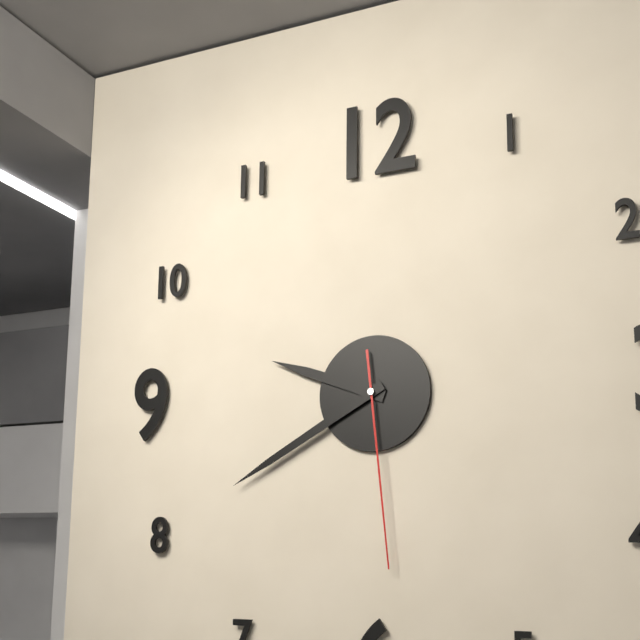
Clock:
9 h 40 min 29 s
